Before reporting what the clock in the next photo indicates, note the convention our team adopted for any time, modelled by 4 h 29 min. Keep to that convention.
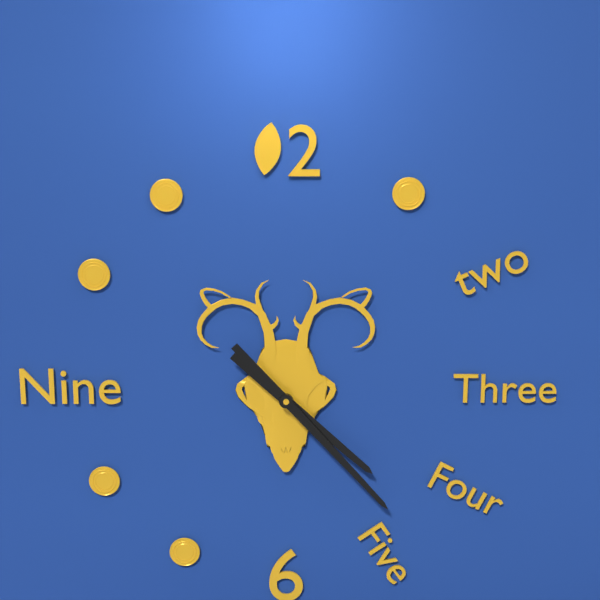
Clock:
4 h 23 min
